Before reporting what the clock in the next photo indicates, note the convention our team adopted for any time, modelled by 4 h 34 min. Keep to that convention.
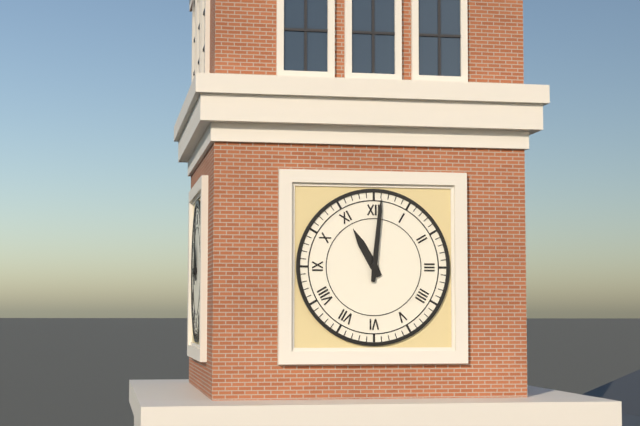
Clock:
11 h 01 min
